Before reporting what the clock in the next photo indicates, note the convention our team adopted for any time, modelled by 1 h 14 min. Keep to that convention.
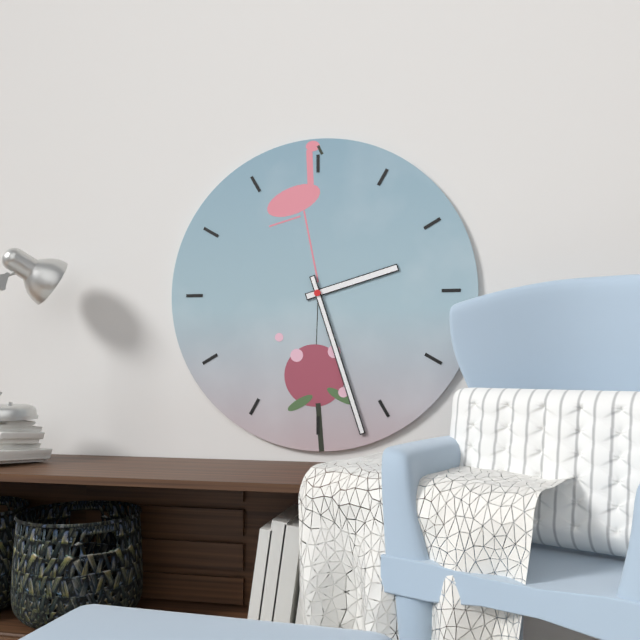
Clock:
2 h 27 min
